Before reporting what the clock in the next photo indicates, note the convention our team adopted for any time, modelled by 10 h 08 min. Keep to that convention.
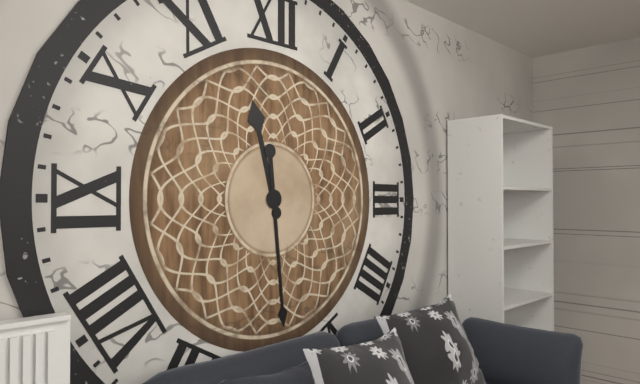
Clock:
11 h 29 min
